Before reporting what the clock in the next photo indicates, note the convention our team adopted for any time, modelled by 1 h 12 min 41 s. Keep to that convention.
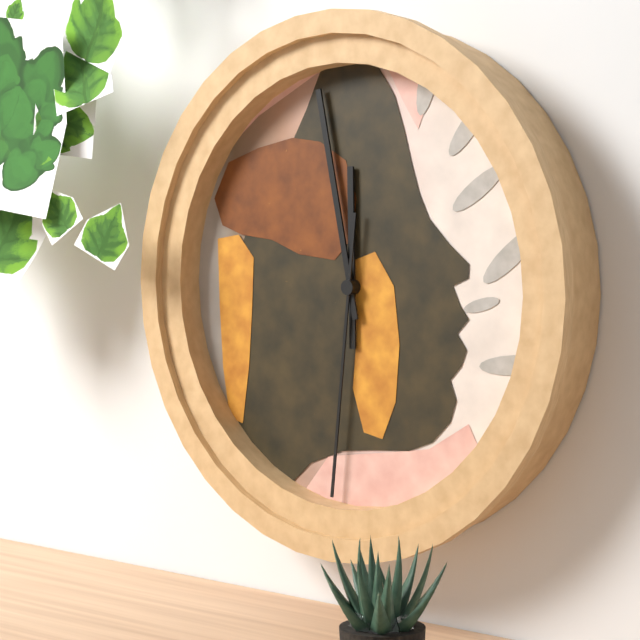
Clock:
11 h 58 min 31 s
